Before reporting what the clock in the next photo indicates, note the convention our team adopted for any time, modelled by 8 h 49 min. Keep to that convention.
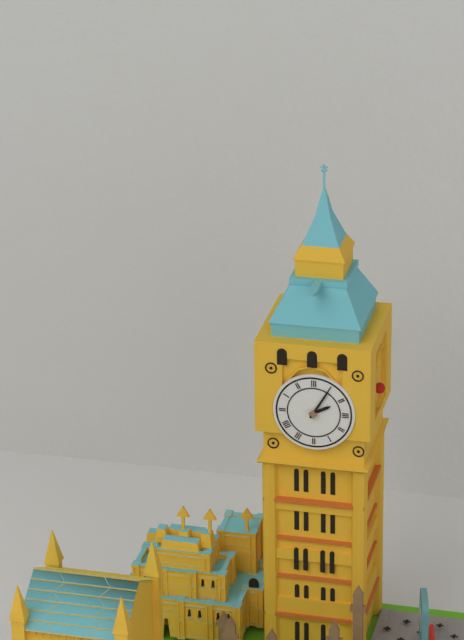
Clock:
2 h 05 min
